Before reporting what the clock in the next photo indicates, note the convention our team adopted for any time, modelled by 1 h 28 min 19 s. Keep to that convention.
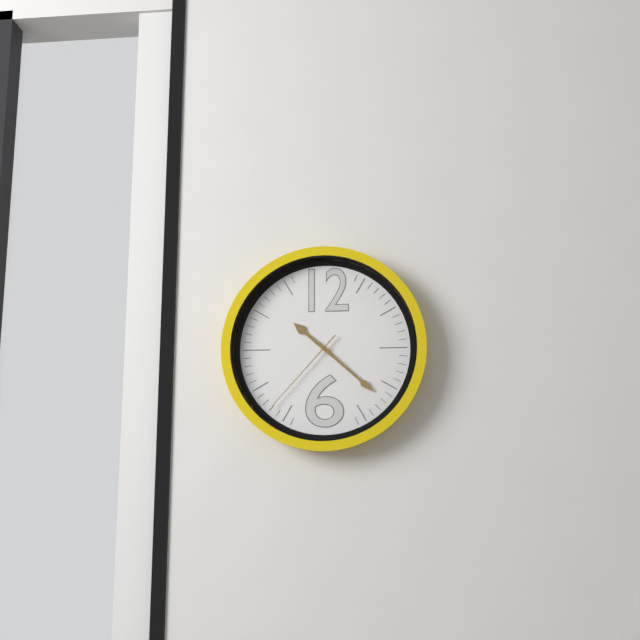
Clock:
10 h 22 min 37 s
